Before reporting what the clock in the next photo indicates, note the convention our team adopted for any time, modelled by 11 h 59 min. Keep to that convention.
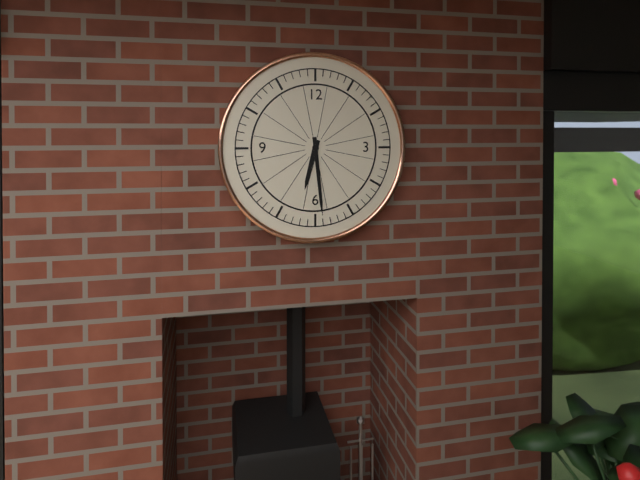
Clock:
6 h 29 min
